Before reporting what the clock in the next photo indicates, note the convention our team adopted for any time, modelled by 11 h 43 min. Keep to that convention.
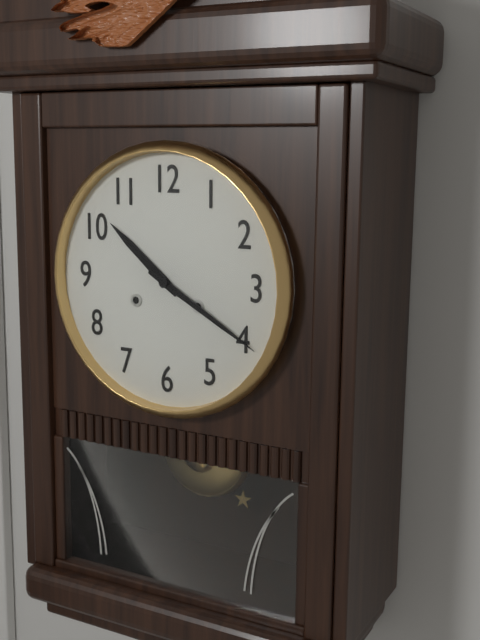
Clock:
10 h 20 min
